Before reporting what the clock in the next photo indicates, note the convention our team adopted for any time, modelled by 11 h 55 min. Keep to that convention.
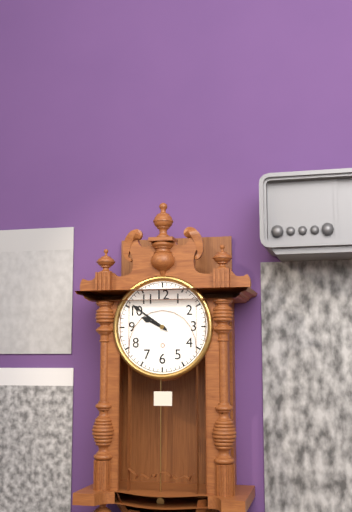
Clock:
9 h 51 min
